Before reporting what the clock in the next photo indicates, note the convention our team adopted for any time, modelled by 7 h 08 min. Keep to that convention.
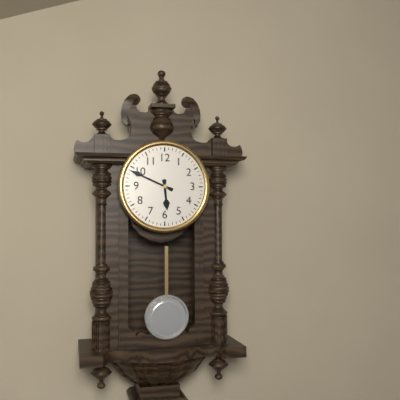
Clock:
5 h 49 min
